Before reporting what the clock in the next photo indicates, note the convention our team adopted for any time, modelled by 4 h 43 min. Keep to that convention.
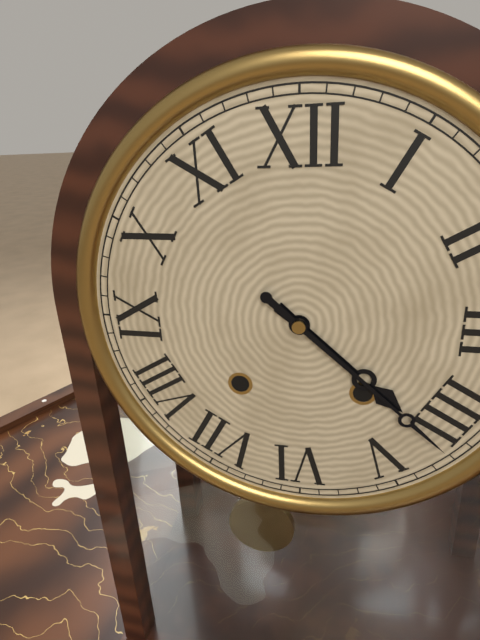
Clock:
4 h 22 min
